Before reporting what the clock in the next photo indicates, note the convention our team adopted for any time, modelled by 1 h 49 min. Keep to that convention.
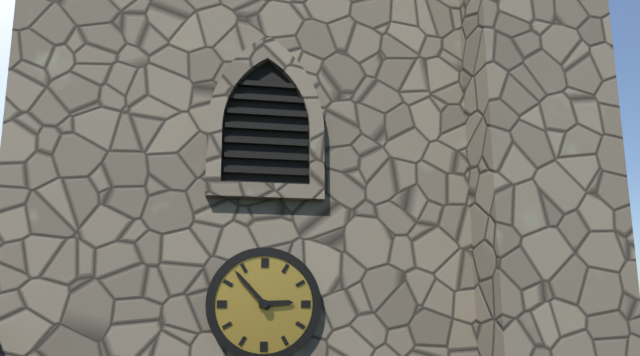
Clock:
2 h 53 min
